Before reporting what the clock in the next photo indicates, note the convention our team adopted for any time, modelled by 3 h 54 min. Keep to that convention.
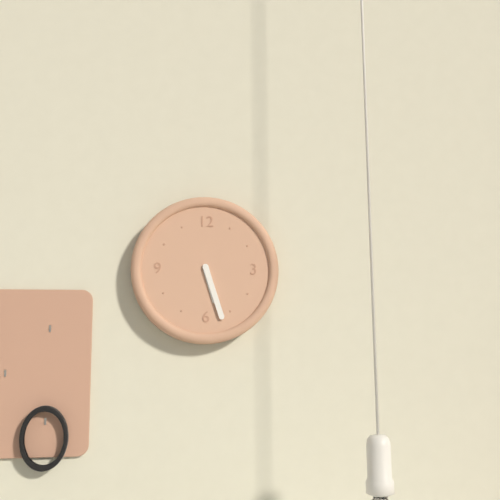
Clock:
5 h 27 min
